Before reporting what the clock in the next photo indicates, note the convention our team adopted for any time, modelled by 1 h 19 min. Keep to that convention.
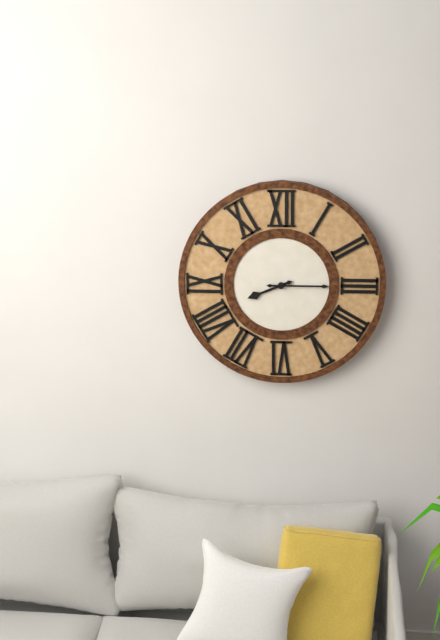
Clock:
8 h 15 min
